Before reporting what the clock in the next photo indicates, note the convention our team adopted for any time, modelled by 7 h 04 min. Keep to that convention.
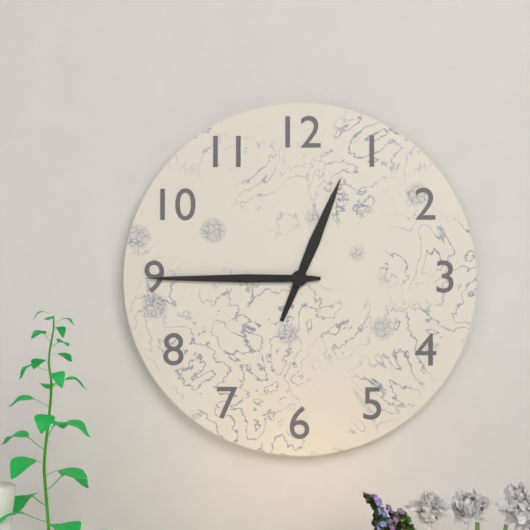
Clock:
12 h 45 min
